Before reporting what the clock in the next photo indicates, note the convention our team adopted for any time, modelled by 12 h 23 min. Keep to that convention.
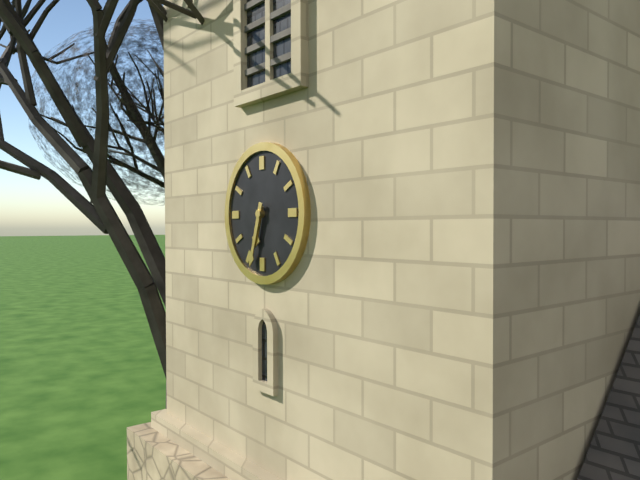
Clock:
6 h 33 min
